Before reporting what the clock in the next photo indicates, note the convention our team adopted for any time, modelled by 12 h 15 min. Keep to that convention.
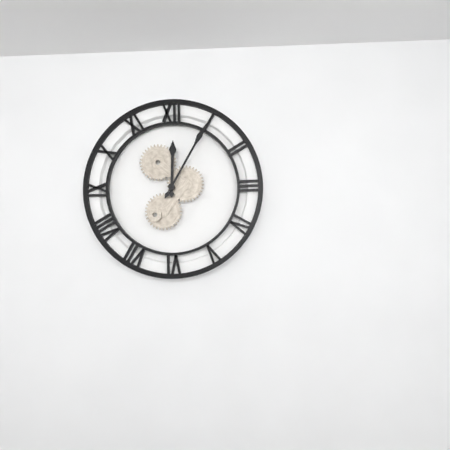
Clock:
12 h 05 min
